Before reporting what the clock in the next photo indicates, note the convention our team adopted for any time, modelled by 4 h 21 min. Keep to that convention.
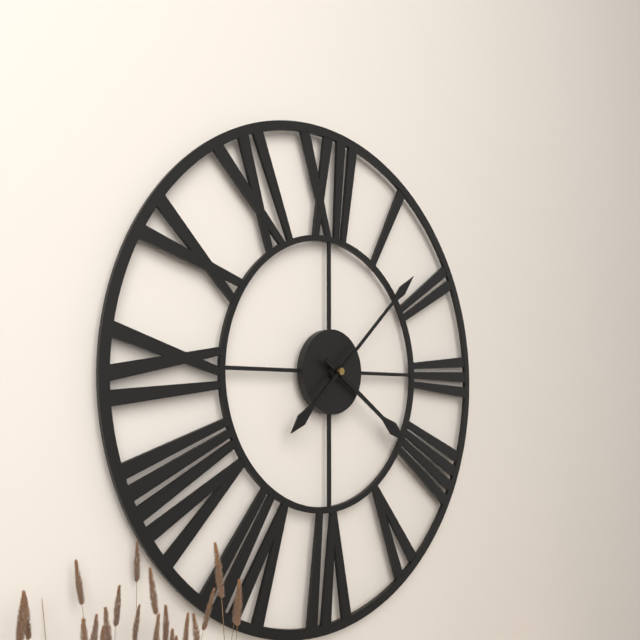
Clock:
4 h 08 min
